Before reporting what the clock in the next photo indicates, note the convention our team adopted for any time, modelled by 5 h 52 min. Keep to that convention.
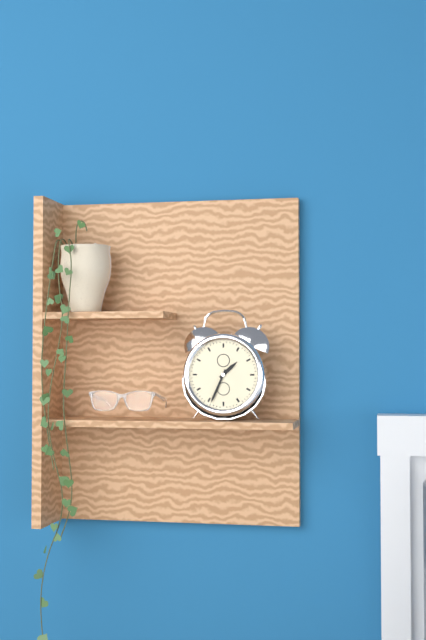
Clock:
1 h 34 min
